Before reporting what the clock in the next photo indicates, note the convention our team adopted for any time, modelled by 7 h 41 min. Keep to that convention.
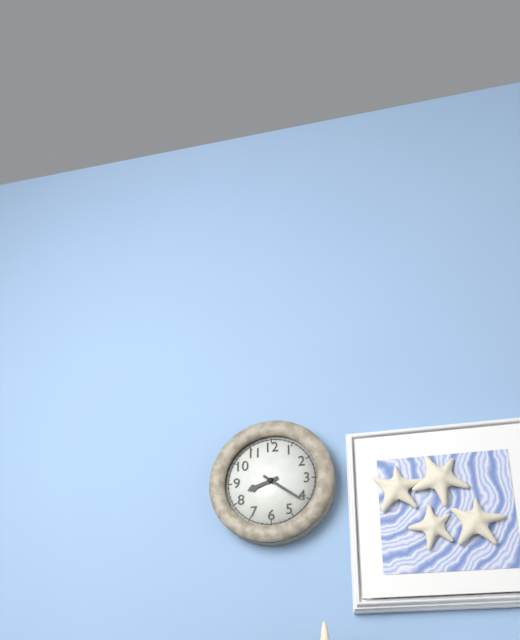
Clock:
8 h 21 min
